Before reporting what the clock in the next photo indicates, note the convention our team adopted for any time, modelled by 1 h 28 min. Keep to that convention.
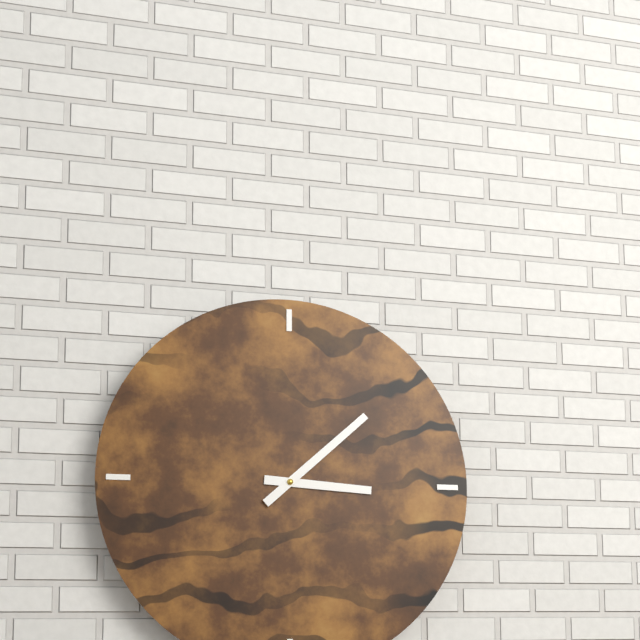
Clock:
3 h 08 min
